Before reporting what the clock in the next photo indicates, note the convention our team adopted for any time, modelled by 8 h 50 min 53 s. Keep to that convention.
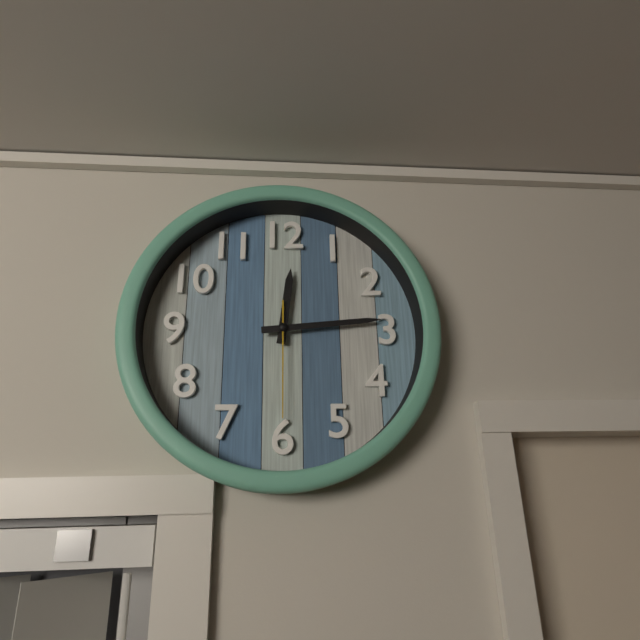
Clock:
12 h 14 min 30 s
